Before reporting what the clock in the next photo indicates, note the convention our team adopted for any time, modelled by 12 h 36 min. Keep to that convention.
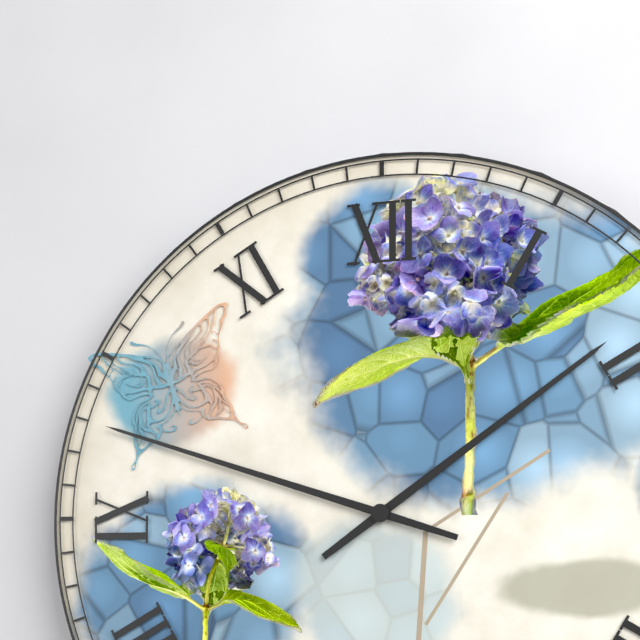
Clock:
1 h 48 min
